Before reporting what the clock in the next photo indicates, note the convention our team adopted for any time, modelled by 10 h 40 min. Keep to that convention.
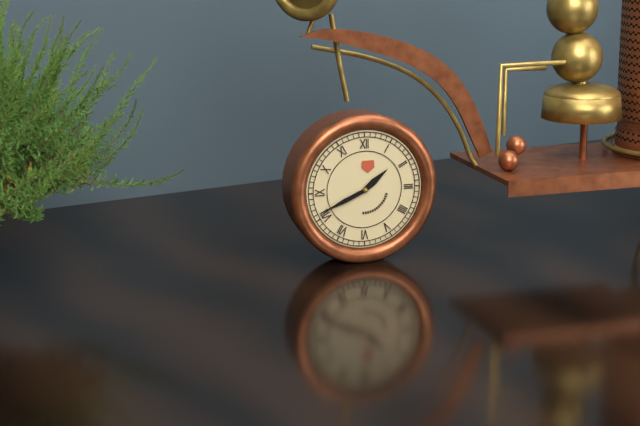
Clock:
1 h 41 min
